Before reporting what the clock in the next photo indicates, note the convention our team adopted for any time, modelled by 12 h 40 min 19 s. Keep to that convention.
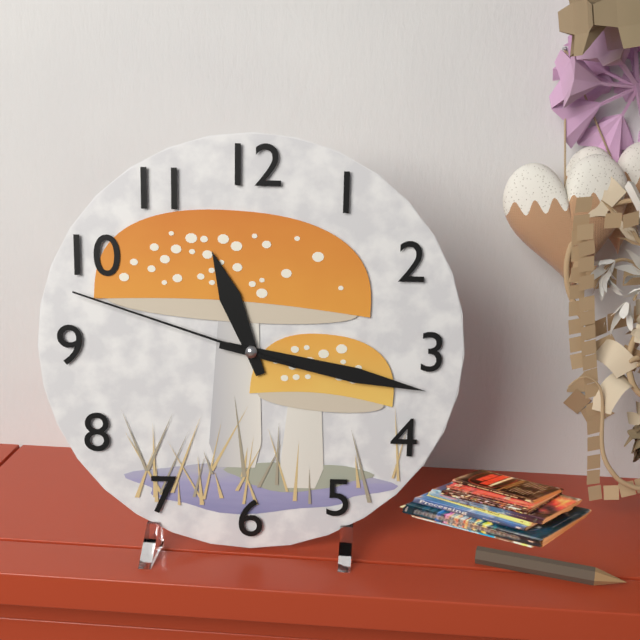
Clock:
11 h 17 min 48 s
